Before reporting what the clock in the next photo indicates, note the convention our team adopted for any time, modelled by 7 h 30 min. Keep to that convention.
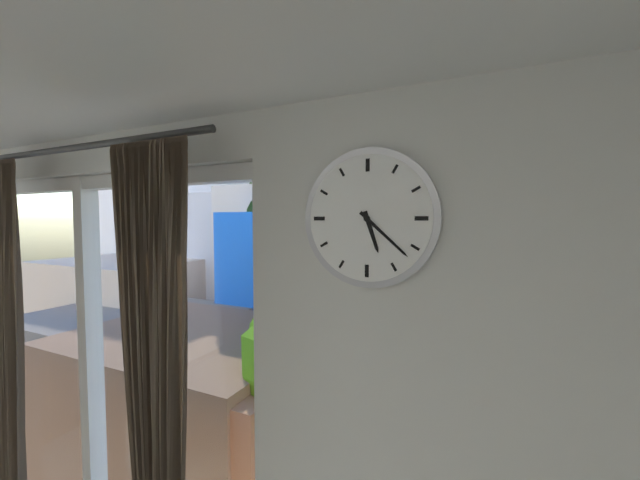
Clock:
5 h 22 min
